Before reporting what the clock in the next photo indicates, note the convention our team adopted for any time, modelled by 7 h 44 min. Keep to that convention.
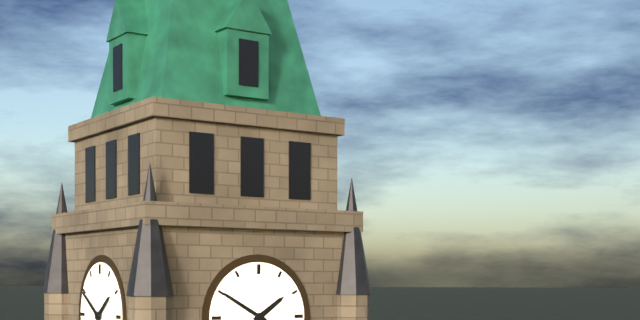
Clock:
1 h 50 min
